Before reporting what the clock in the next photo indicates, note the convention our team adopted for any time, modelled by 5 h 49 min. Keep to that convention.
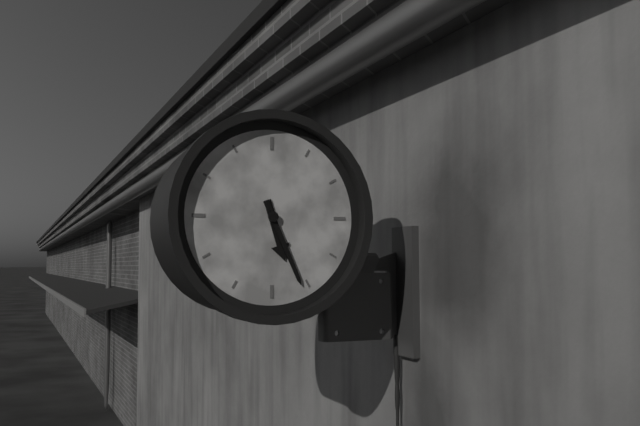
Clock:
5 h 26 min
